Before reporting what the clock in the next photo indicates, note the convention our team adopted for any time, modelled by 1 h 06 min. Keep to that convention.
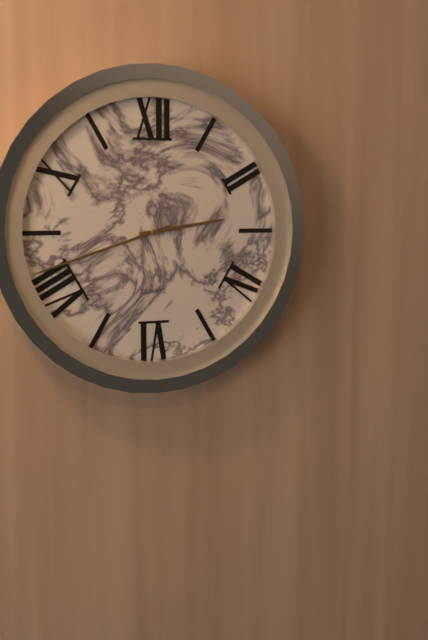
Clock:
2 h 42 min
